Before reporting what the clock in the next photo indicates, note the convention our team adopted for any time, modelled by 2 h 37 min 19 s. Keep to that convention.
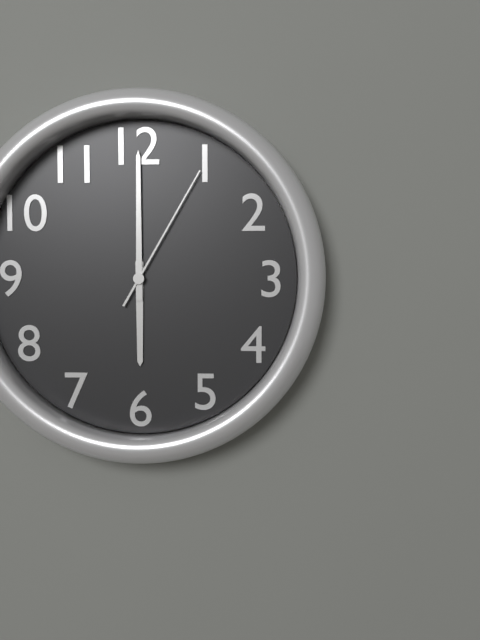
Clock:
6 h 00 min 05 s
